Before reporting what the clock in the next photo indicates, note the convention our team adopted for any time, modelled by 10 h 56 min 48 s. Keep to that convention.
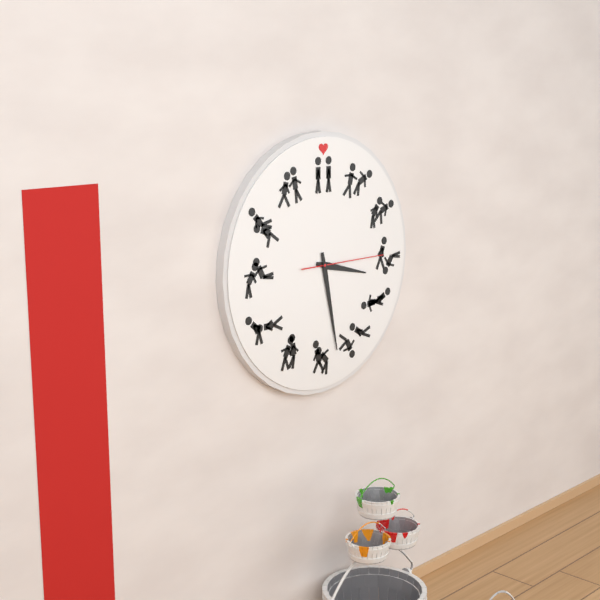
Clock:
3 h 28 min 15 s
